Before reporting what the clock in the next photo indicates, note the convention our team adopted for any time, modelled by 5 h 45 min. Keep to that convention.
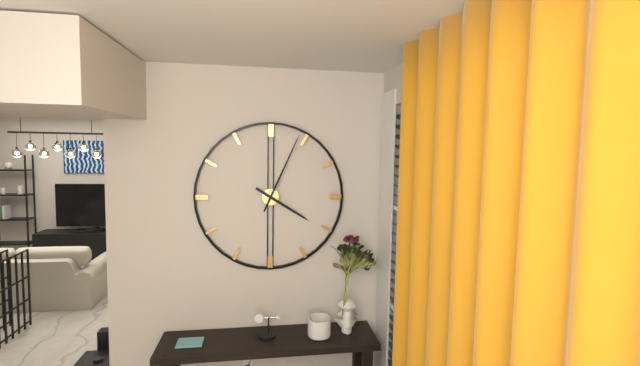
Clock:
4 h 04 min
